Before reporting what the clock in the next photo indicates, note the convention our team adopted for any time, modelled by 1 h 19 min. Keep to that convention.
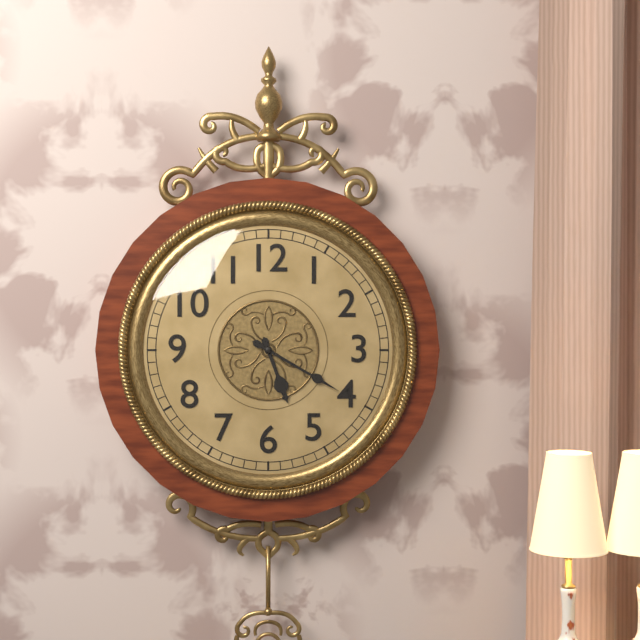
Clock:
5 h 20 min
